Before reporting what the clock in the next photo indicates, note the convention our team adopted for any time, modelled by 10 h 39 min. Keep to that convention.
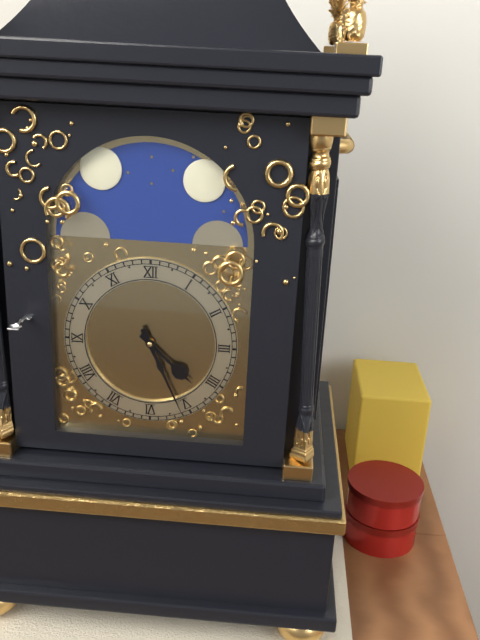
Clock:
4 h 26 min
